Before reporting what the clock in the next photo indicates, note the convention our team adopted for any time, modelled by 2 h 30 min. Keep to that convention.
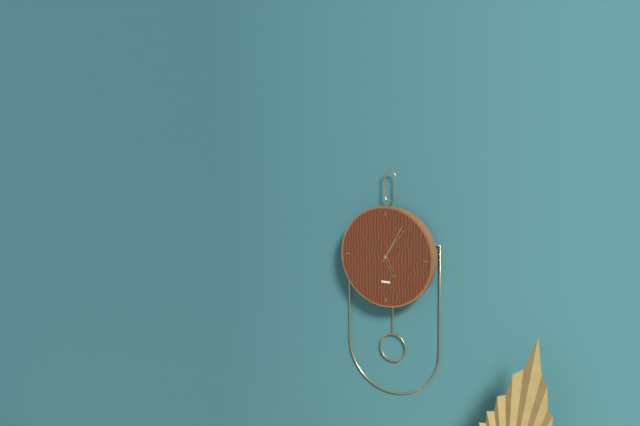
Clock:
5 h 05 min
